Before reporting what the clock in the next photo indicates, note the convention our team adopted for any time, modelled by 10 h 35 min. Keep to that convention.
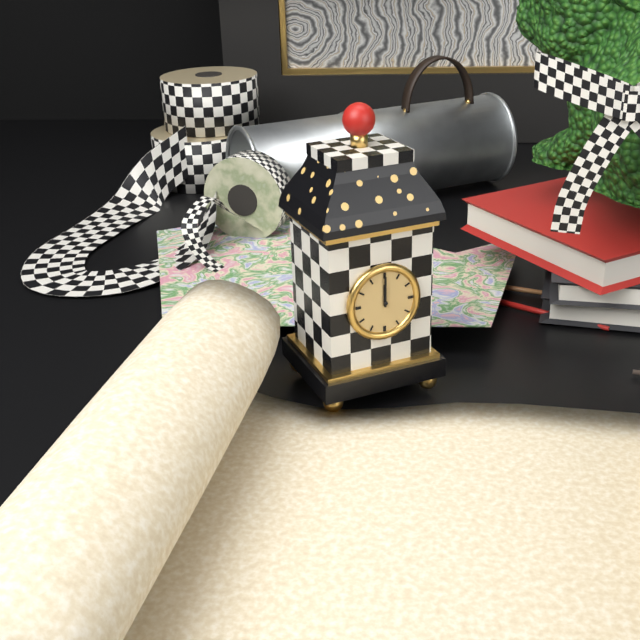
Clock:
12 h 00 min
